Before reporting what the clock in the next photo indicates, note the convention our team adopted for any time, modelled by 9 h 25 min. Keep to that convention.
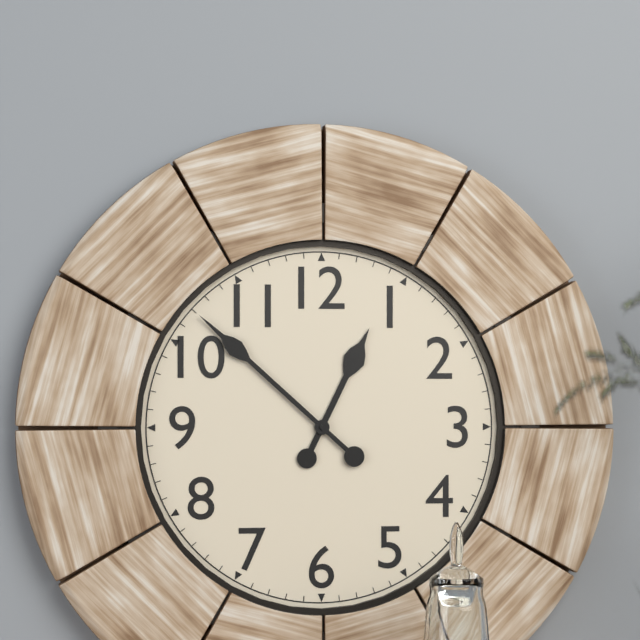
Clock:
12 h 52 min
